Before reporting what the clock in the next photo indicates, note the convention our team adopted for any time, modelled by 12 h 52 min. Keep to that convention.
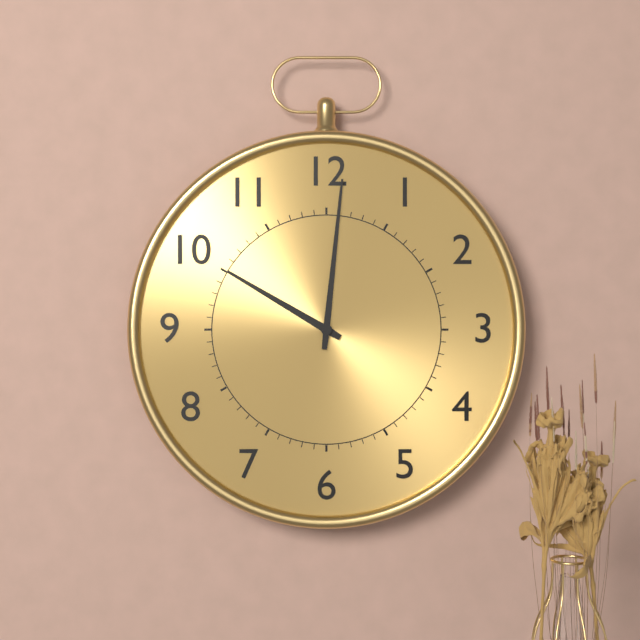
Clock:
10 h 01 min
